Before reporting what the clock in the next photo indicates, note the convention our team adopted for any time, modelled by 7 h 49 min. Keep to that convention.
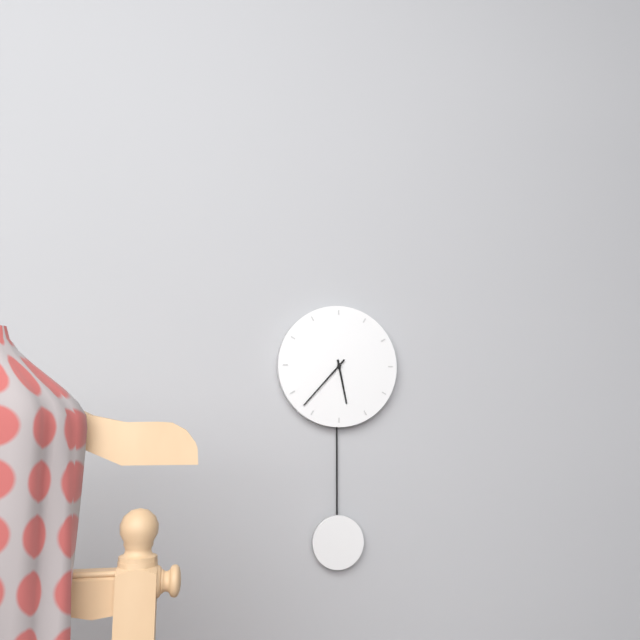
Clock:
5 h 37 min
